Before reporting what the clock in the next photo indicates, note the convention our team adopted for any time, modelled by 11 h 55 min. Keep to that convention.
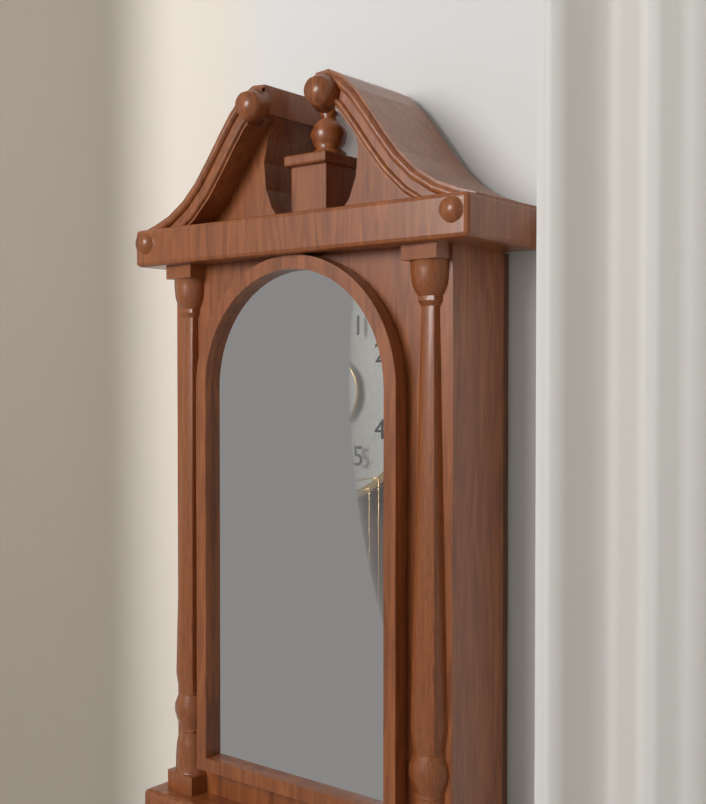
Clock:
8 h 56 min
